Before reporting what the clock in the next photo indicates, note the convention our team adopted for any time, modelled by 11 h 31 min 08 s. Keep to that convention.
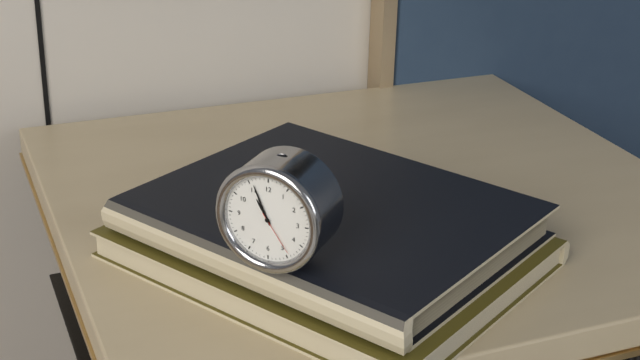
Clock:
10 h 56 min 24 s
